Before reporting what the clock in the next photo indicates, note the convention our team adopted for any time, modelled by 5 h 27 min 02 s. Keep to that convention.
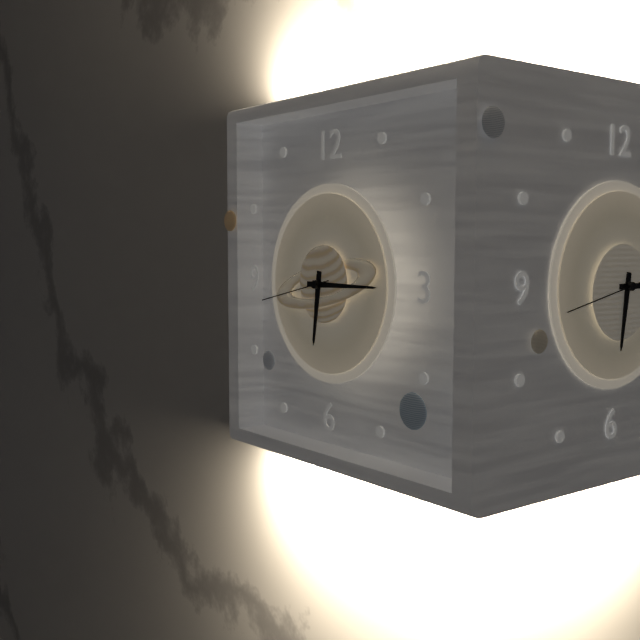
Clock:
6 h 15 min 43 s
